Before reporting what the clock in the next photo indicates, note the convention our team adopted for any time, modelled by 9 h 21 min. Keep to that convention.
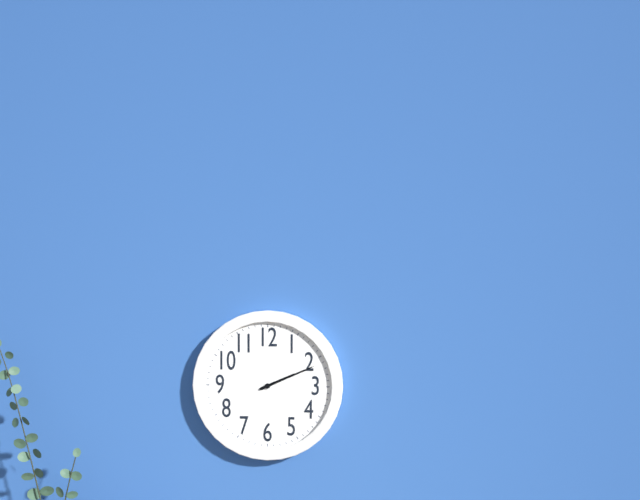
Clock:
2 h 11 min
